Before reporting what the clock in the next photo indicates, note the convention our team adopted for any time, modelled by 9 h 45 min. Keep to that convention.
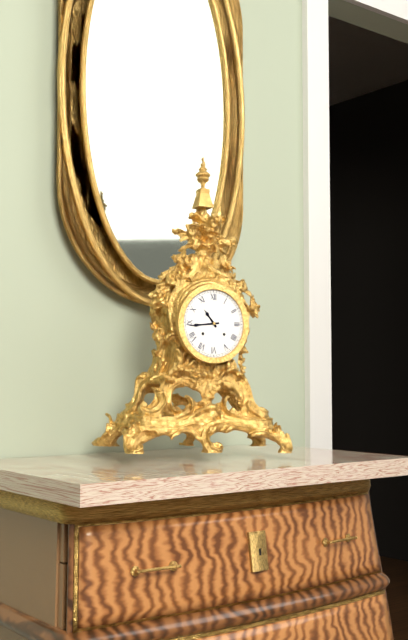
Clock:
10 h 44 min
